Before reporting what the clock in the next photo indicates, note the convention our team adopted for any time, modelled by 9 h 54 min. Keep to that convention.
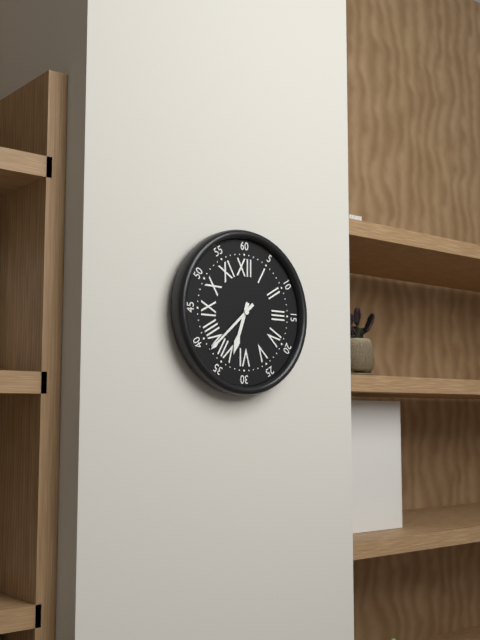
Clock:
6 h 38 min
